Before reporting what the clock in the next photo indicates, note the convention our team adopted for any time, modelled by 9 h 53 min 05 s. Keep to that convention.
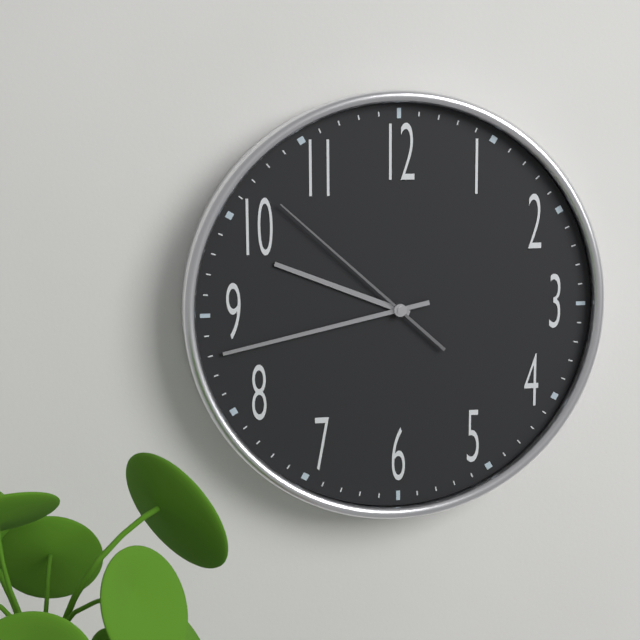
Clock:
9 h 43 min 52 s
